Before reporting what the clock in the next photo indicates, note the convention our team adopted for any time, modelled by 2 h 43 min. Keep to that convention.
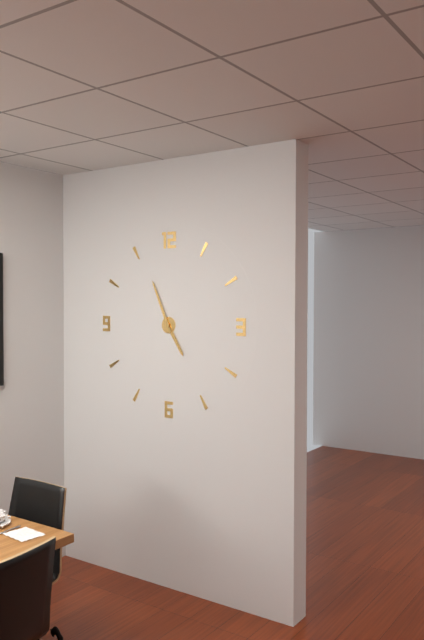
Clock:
4 h 56 min
